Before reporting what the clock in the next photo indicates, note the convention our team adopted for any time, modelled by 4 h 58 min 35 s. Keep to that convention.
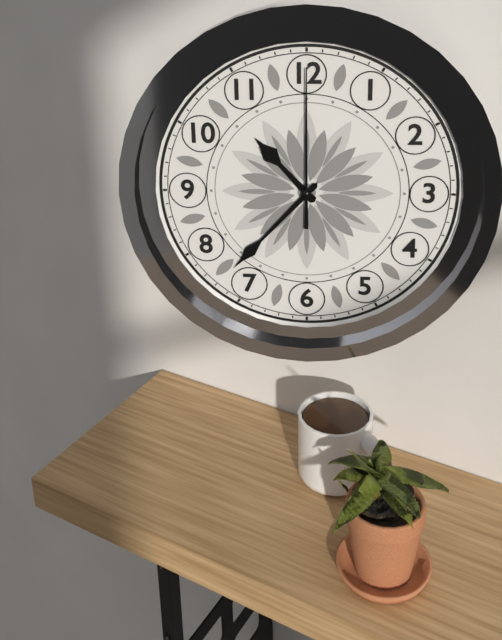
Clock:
10 h 37 min 00 s
